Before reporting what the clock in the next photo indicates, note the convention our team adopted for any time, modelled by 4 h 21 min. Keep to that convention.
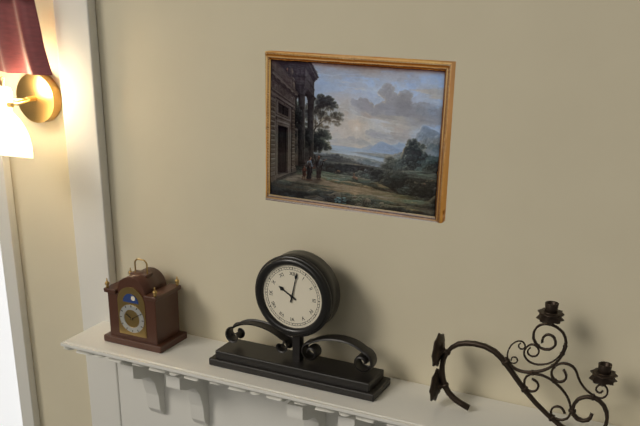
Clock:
10 h 02 min
